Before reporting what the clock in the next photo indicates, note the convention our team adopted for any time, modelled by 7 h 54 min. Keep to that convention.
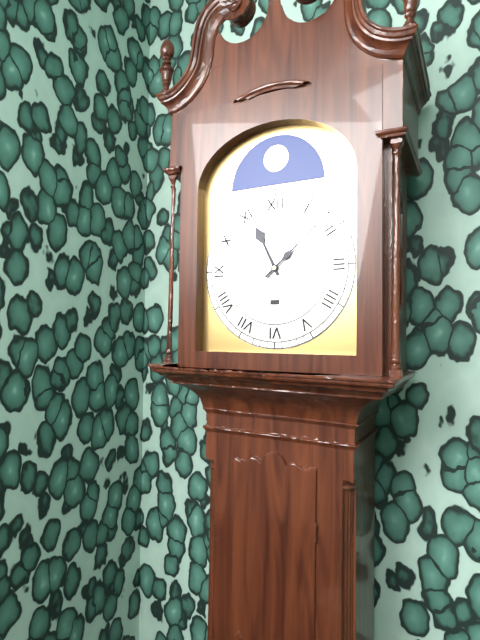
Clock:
11 h 08 min
